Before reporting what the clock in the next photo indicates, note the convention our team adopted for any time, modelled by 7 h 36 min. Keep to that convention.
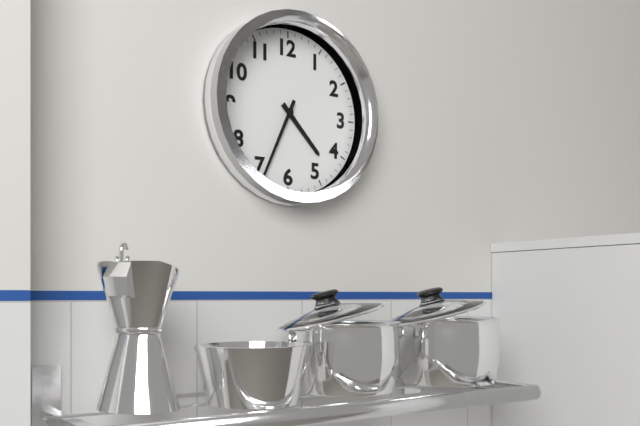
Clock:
4 h 34 min
